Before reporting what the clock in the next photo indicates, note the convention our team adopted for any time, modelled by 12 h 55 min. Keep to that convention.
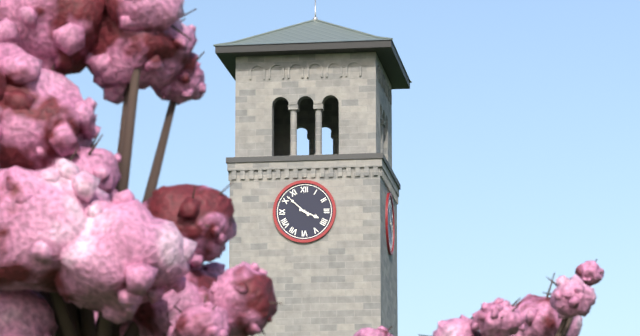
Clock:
3 h 52 min
